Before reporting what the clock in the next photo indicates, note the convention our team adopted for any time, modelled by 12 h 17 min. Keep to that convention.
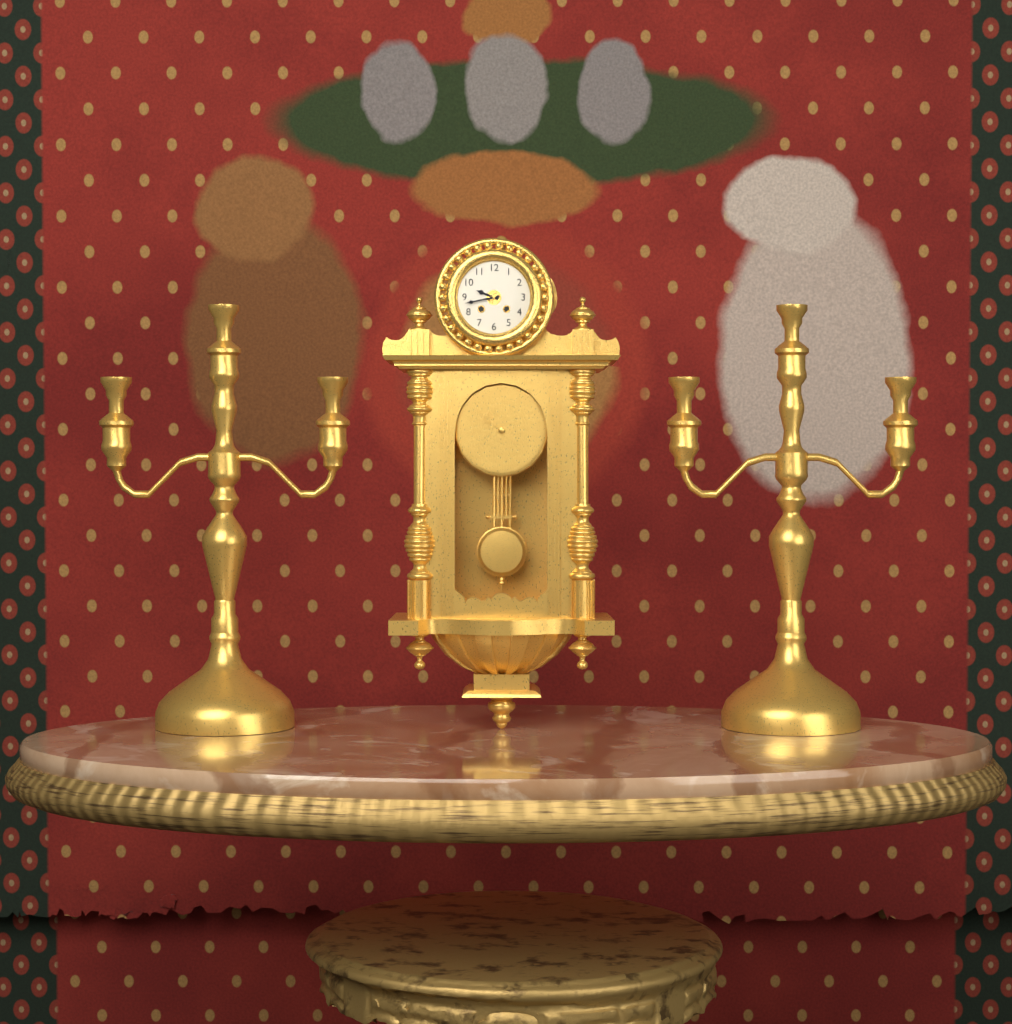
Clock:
9 h 43 min
